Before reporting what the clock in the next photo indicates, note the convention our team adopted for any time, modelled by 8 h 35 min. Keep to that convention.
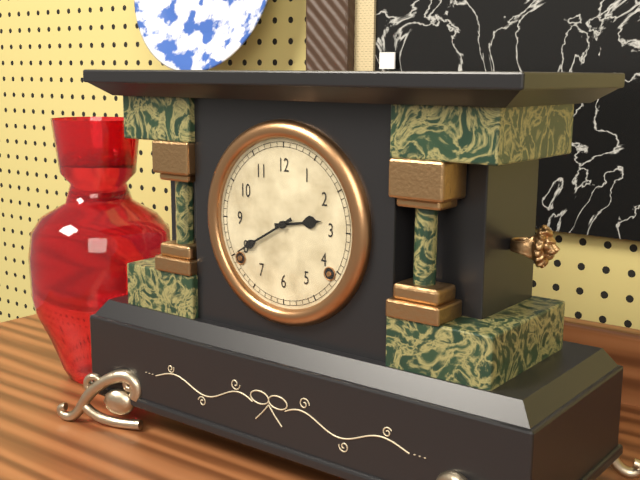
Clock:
2 h 40 min
